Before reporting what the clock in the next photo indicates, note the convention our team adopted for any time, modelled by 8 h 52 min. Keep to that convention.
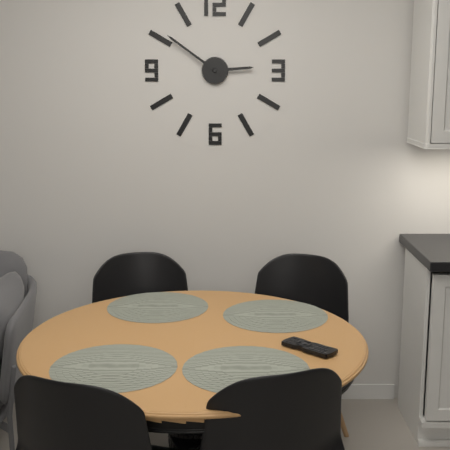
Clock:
2 h 51 min
